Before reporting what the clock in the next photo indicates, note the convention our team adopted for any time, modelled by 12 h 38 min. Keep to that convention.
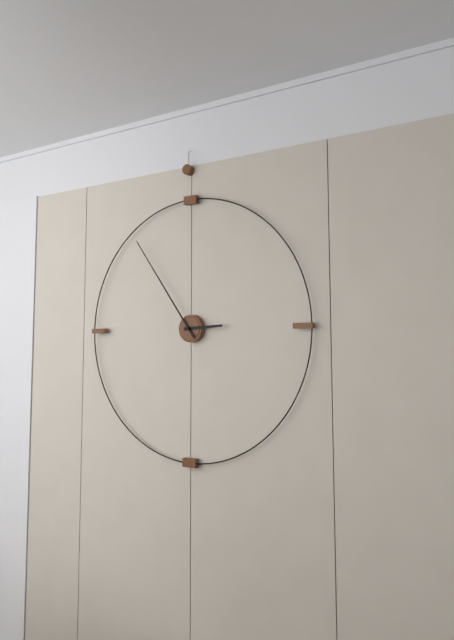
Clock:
2 h 54 min
